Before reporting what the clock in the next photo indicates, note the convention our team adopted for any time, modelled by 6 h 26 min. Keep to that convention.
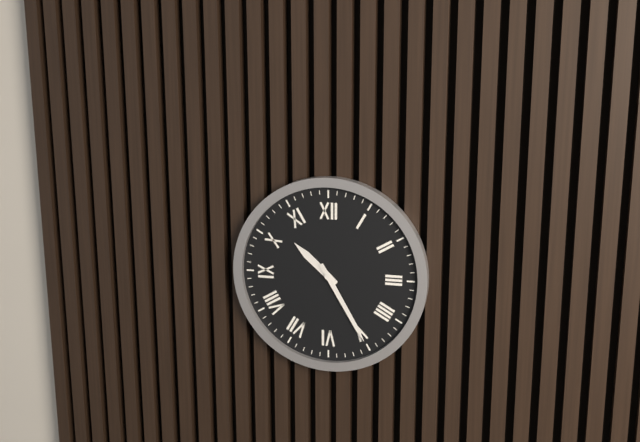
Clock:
10 h 25 min
